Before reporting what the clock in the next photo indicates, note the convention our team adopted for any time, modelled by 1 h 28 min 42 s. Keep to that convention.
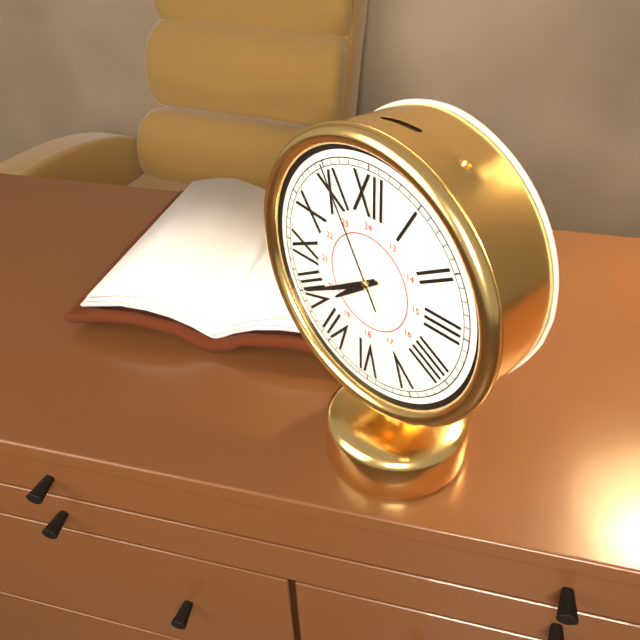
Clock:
7 h 40 min 55 s
